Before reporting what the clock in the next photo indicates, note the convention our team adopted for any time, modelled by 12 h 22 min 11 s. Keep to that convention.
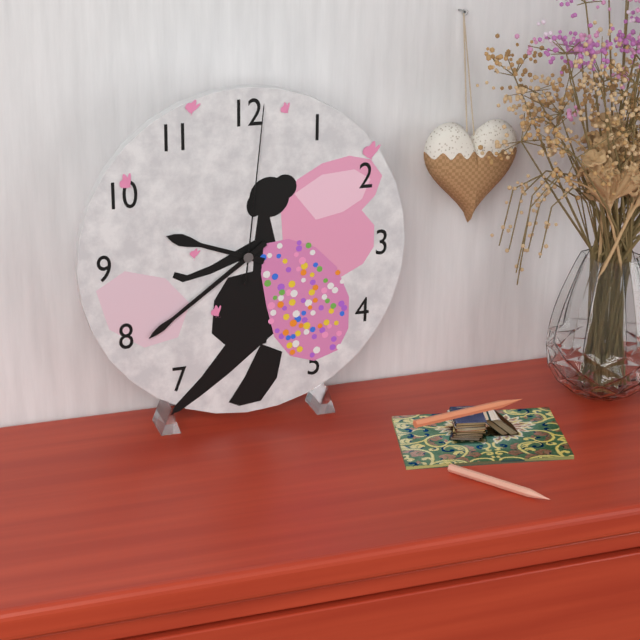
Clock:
9 h 39 min 01 s
